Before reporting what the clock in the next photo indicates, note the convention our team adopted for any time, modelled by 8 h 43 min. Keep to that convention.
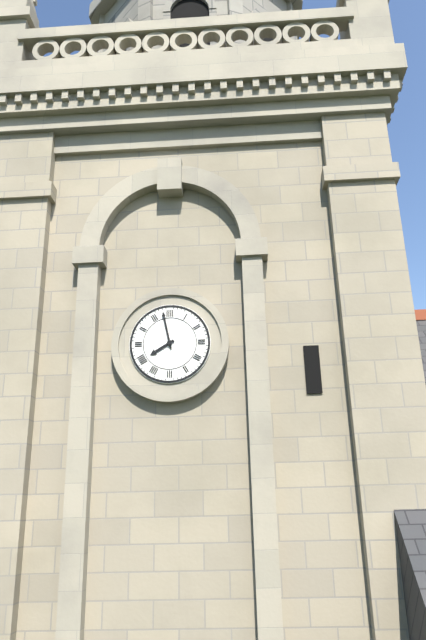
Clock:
7 h 58 min
